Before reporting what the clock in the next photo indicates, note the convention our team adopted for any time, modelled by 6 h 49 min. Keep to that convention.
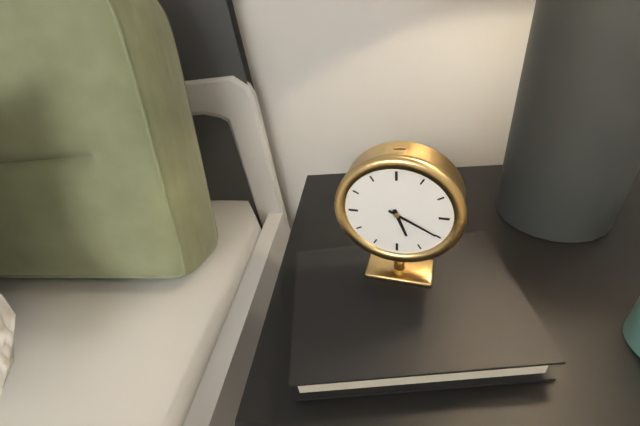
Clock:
5 h 20 min
